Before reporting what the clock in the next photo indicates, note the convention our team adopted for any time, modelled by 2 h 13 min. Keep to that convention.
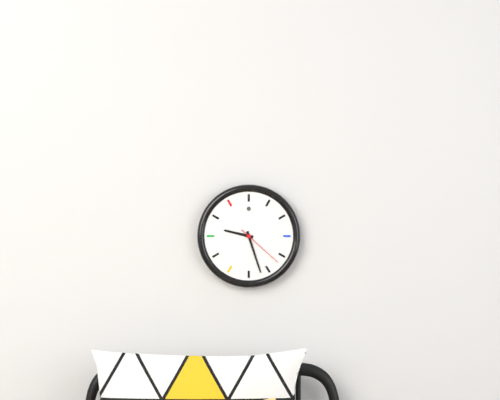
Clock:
9 h 27 min
